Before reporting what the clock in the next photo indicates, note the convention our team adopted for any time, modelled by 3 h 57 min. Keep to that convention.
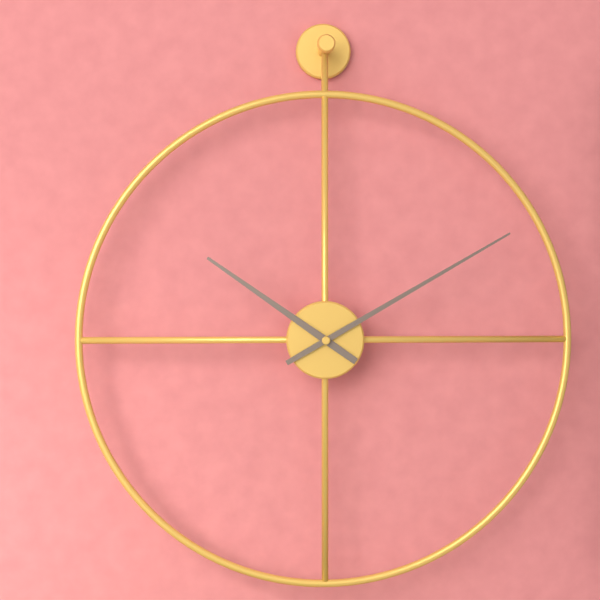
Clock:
10 h 10 min
